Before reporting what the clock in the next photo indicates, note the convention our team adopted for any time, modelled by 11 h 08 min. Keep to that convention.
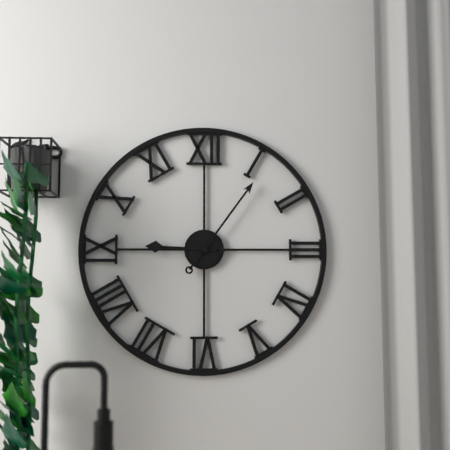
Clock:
9 h 06 min
